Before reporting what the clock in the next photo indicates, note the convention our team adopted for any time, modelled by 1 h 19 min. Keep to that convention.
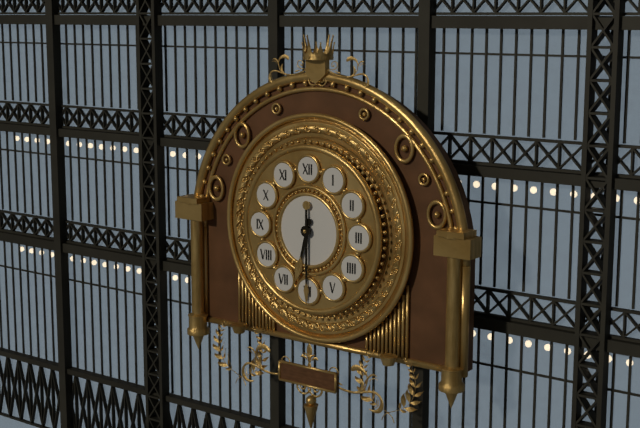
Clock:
6 h 30 min
